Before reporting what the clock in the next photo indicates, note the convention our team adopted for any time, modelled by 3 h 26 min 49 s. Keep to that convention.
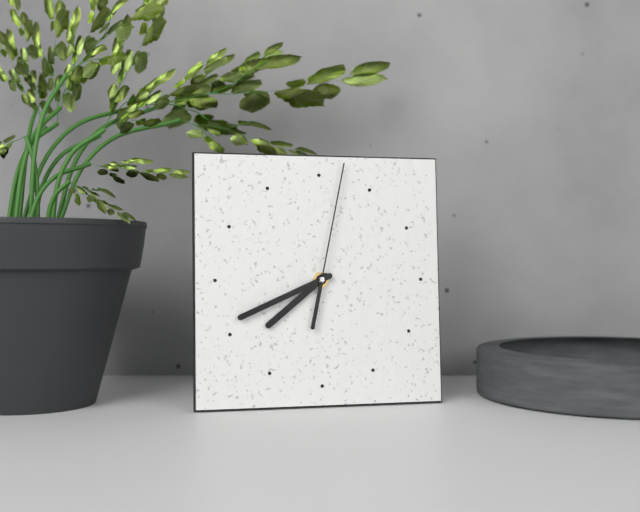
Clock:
7 h 41 min 02 s
